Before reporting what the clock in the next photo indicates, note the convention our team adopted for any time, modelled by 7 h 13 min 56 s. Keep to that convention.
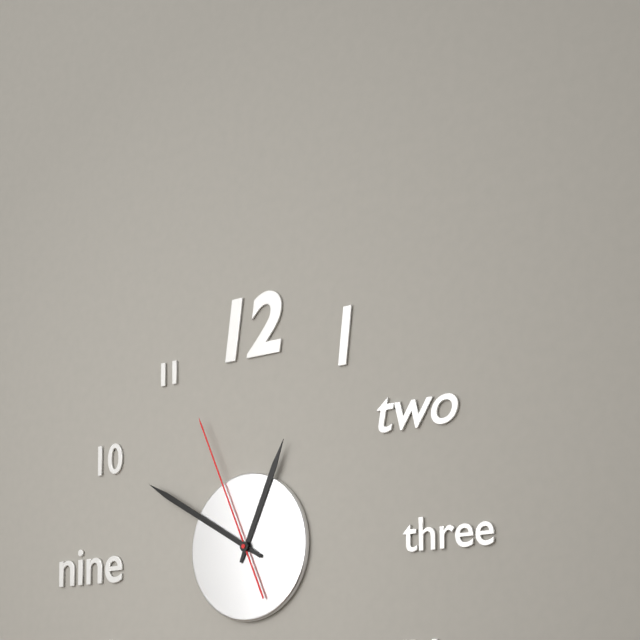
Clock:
12 h 50 min 56 s
